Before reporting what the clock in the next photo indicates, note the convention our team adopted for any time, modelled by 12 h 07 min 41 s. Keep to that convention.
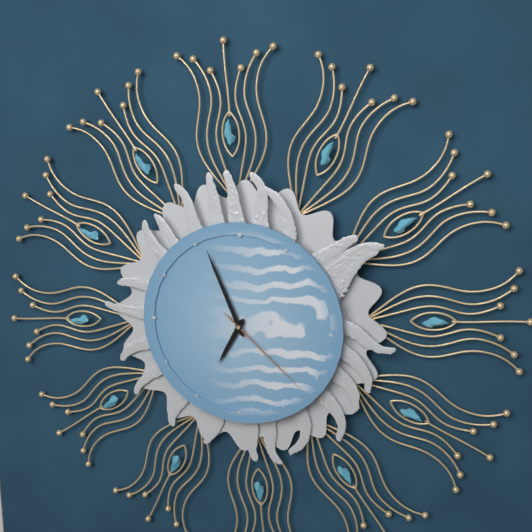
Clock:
6 h 56 min 22 s
